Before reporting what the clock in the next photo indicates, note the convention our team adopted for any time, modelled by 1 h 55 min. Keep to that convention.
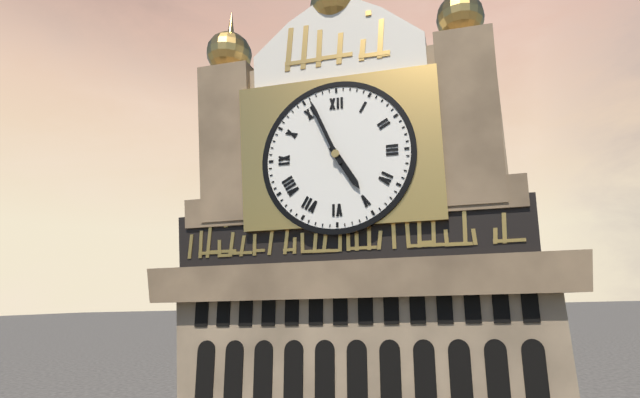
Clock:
4 h 56 min
